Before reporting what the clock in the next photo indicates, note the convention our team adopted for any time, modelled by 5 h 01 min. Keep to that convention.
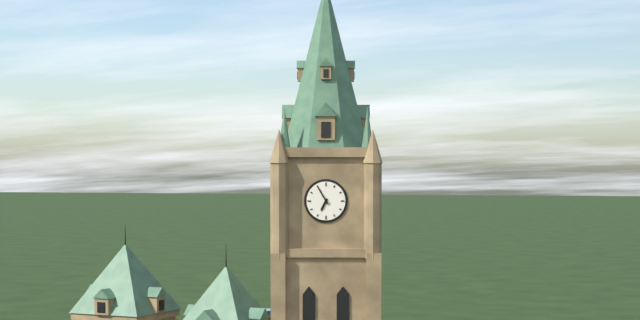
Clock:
6 h 55 min
